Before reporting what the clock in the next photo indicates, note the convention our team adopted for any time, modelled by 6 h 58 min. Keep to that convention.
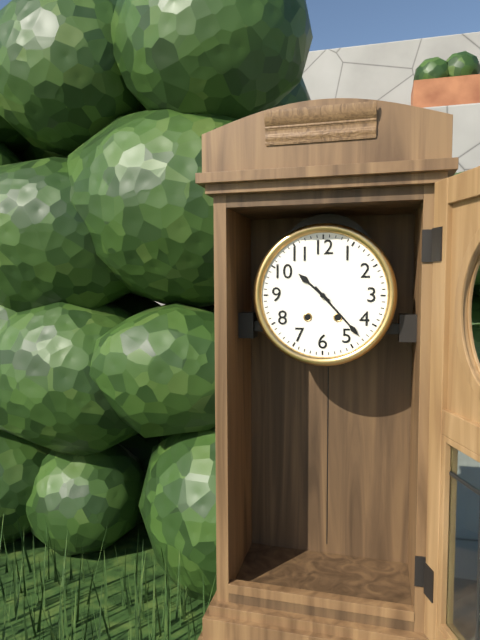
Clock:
10 h 23 min
